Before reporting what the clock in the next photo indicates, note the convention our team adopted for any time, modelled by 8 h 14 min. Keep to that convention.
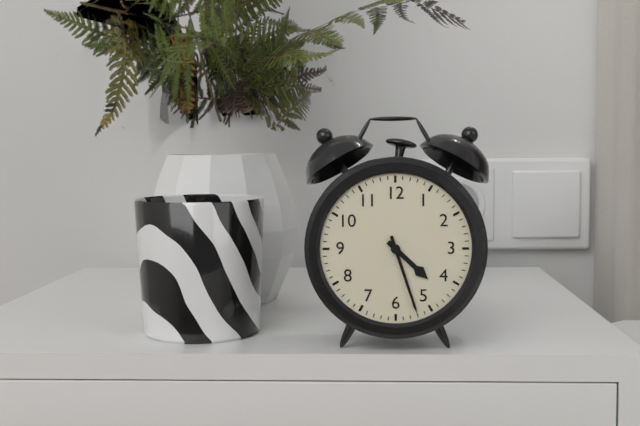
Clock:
4 h 27 min
